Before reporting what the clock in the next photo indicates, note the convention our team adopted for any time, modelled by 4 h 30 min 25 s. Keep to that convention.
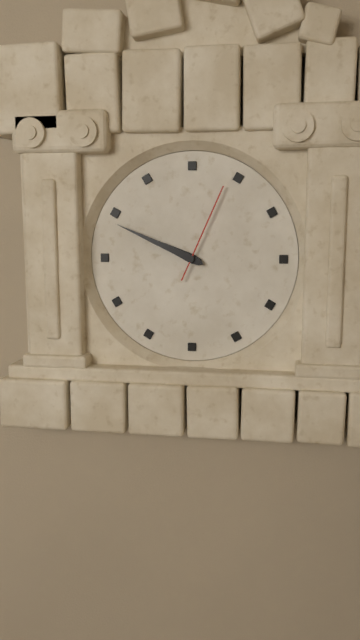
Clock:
9 h 49 min 04 s
